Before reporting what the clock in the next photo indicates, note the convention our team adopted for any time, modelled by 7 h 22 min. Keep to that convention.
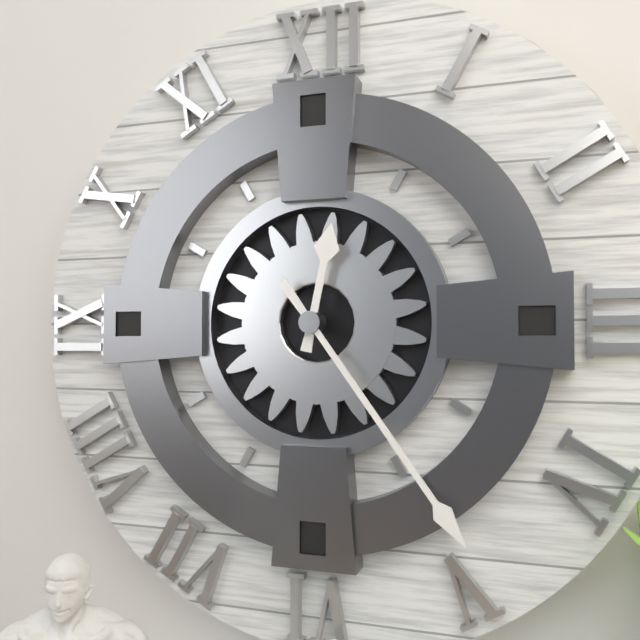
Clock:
12 h 24 min
